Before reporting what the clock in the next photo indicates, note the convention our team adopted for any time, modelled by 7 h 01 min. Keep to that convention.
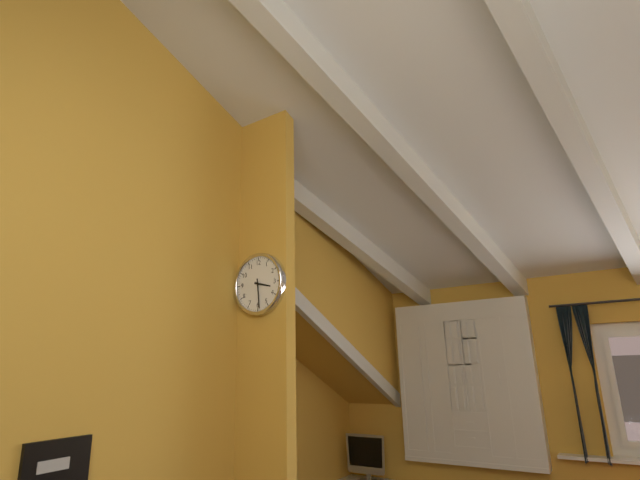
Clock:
3 h 29 min
